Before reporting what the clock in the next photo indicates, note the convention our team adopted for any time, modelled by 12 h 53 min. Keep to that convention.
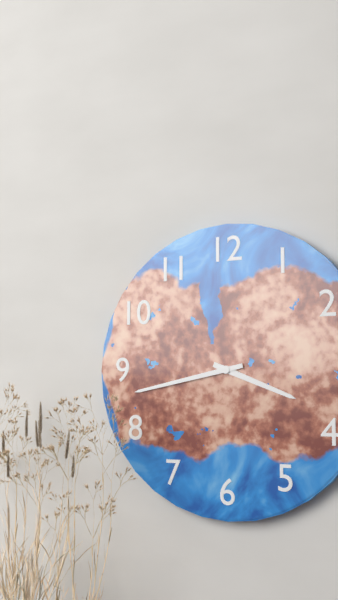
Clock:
3 h 43 min
